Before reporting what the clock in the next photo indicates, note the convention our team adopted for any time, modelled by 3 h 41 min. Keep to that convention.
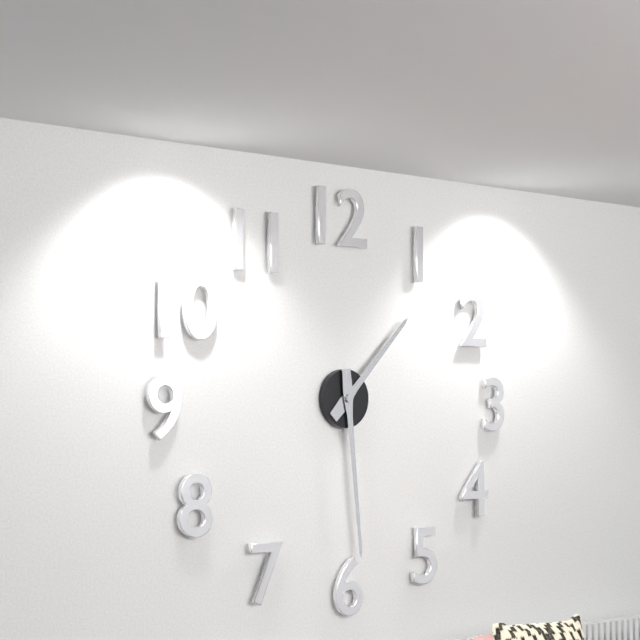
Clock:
1 h 29 min
